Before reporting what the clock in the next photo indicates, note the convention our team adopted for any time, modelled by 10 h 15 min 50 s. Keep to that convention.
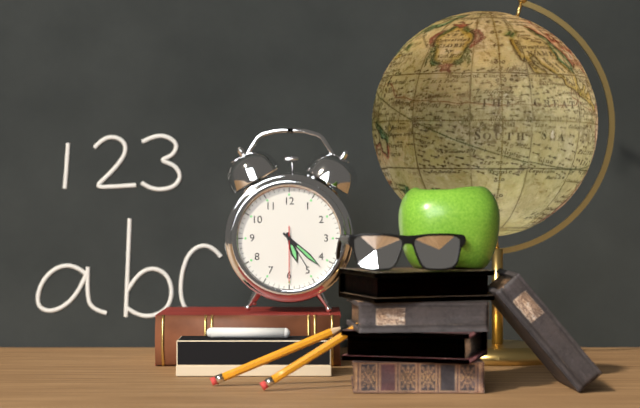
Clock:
5 h 22 min 30 s
